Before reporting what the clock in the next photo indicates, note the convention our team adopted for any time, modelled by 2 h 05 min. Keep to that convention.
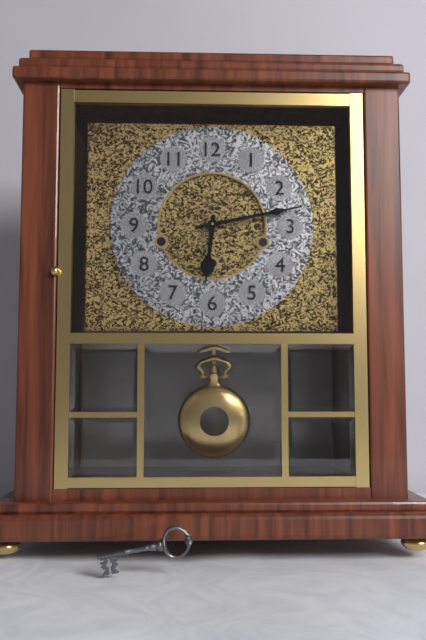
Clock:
6 h 13 min
